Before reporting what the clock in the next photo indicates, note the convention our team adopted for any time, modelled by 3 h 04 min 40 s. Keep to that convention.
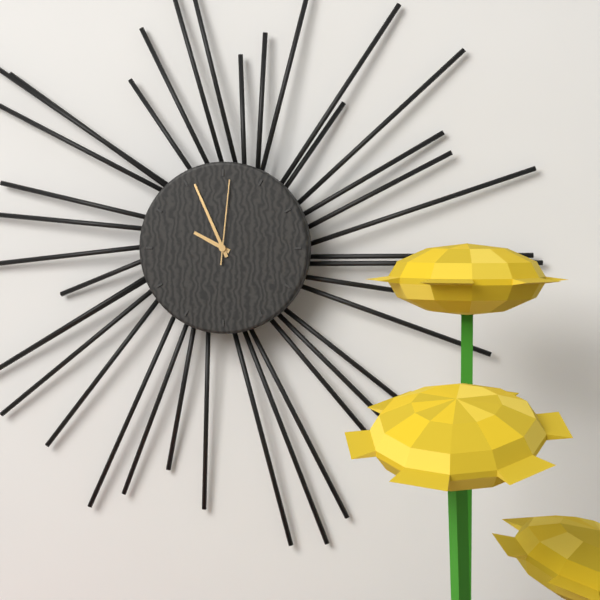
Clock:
9 h 56 min 01 s
